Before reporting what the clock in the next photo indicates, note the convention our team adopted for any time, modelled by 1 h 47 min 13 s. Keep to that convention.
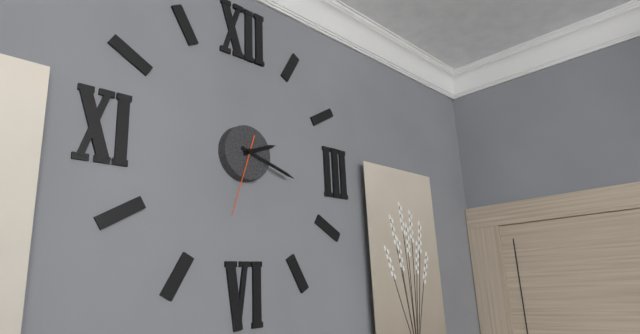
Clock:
2 h 18 min 33 s
